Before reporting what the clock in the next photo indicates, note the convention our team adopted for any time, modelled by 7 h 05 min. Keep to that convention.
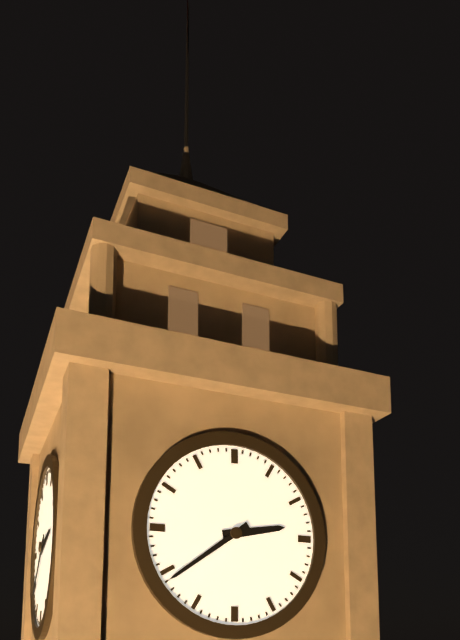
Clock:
2 h 39 min
